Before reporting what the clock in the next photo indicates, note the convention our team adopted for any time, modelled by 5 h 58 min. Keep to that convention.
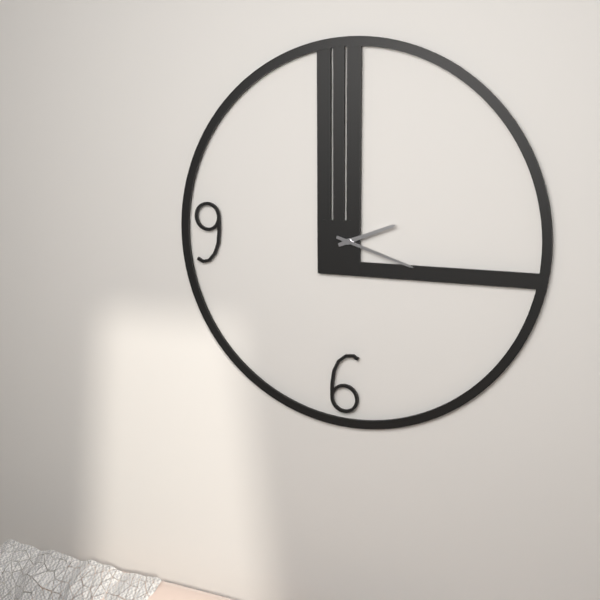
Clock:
2 h 18 min
